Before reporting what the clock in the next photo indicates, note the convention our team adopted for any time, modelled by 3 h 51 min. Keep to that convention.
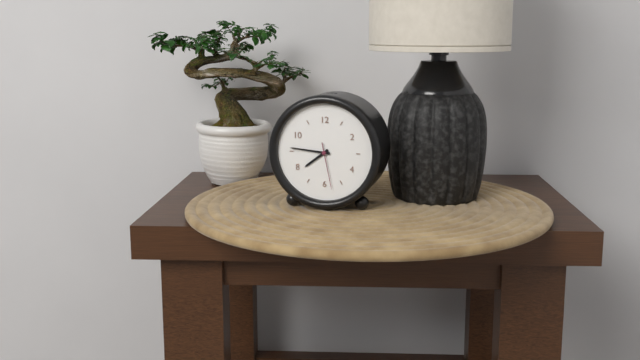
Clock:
7 h 46 min
